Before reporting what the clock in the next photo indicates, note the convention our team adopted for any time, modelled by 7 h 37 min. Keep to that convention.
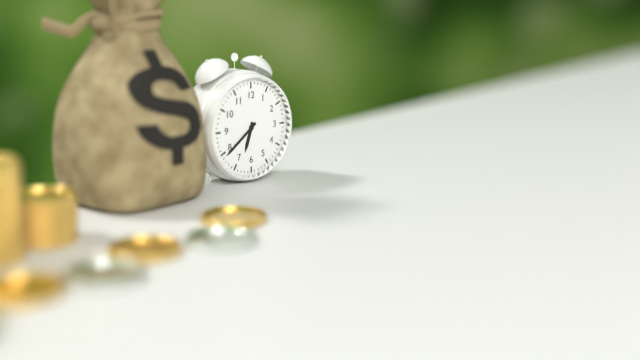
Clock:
6 h 39 min
